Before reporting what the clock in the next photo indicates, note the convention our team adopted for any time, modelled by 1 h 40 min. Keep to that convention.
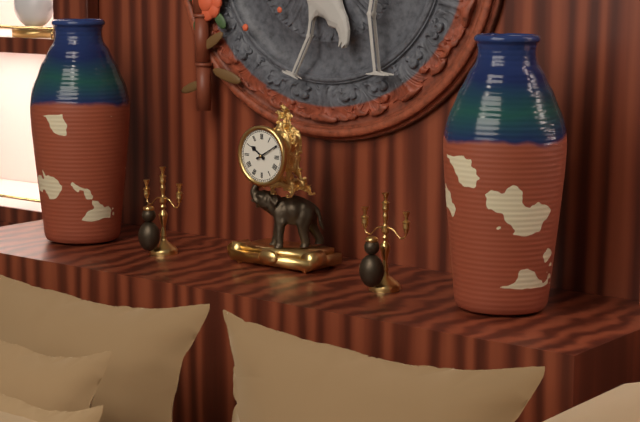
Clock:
10 h 10 min
